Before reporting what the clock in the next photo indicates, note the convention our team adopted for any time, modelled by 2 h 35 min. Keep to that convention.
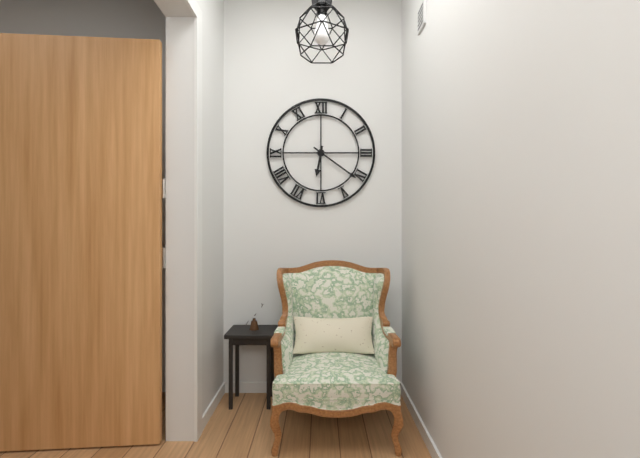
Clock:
6 h 21 min
